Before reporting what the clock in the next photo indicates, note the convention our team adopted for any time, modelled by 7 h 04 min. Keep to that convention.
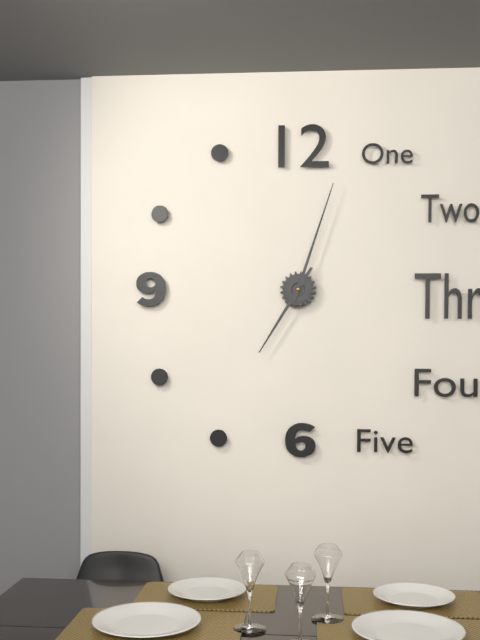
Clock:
7 h 03 min
